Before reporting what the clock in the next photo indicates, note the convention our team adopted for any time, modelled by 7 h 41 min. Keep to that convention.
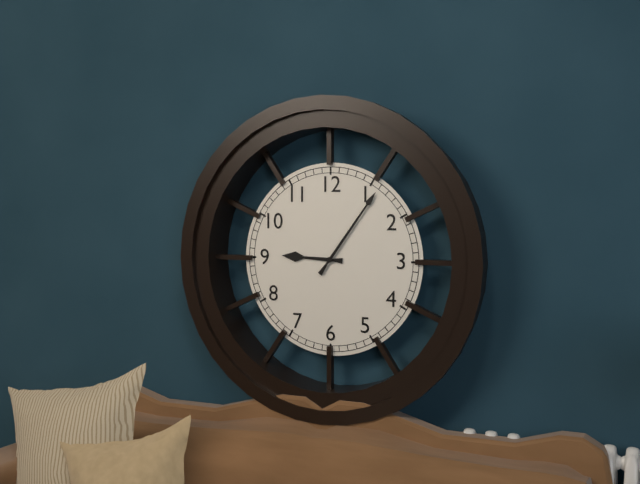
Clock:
9 h 06 min
